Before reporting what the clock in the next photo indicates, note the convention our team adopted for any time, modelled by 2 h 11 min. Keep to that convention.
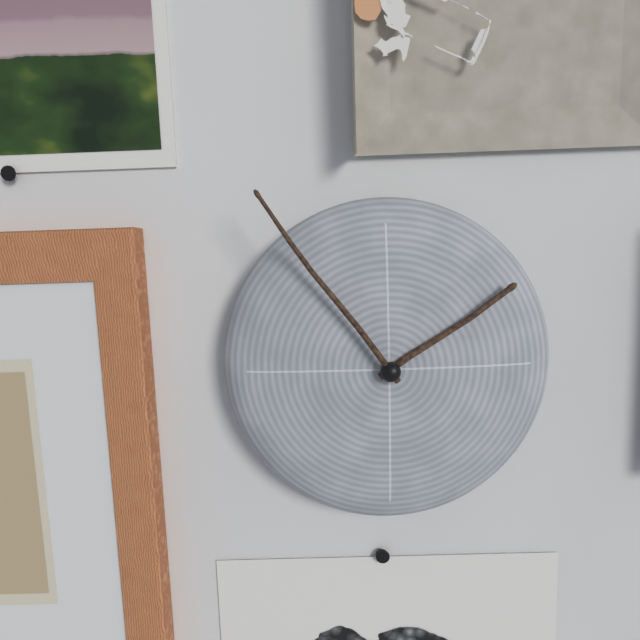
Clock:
1 h 54 min
